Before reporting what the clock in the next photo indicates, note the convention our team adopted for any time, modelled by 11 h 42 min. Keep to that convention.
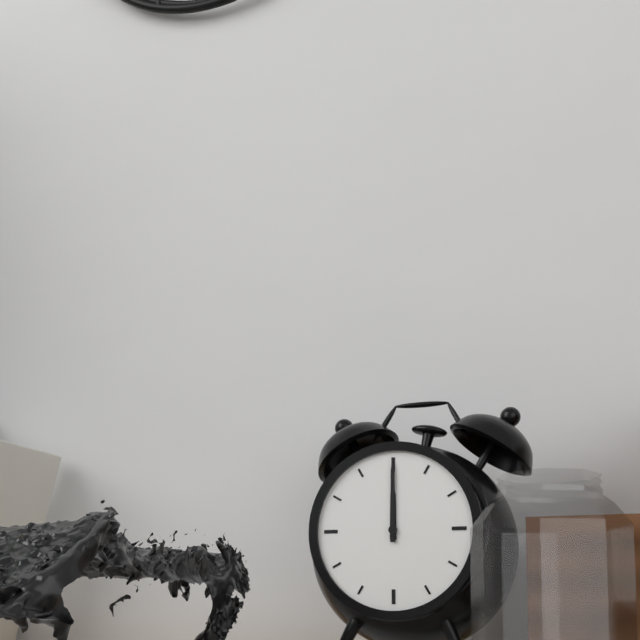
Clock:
12 h 00 min
